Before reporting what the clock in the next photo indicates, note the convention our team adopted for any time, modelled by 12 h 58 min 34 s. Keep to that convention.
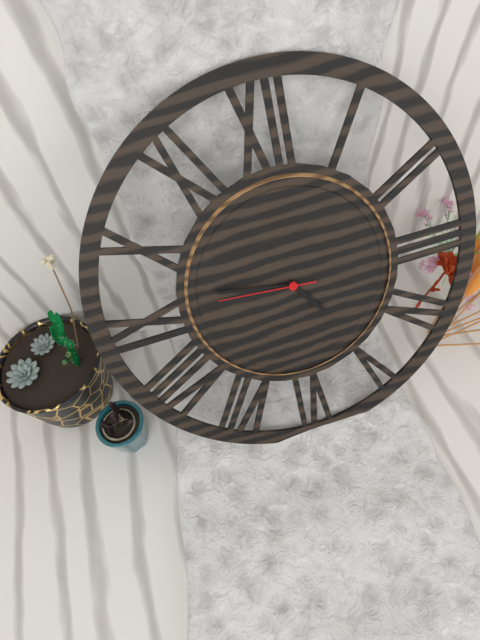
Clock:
4 h 47 min 46 s
